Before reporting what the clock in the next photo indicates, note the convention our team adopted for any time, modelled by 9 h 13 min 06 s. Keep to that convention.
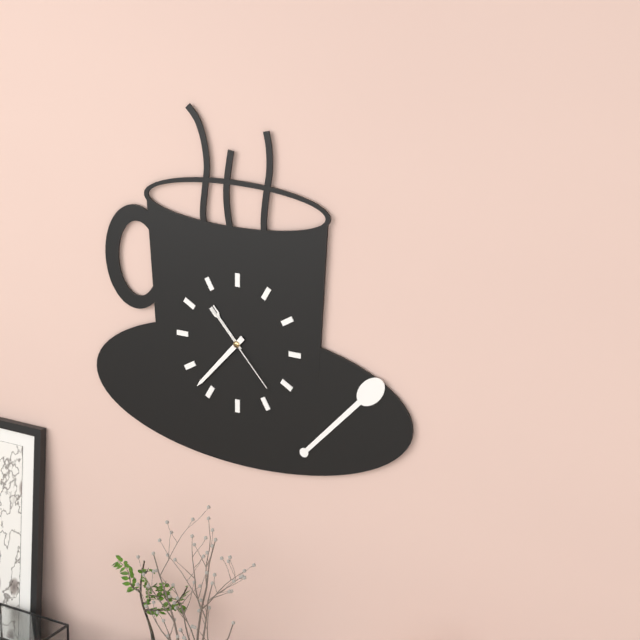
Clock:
10 h 37 min 23 s
